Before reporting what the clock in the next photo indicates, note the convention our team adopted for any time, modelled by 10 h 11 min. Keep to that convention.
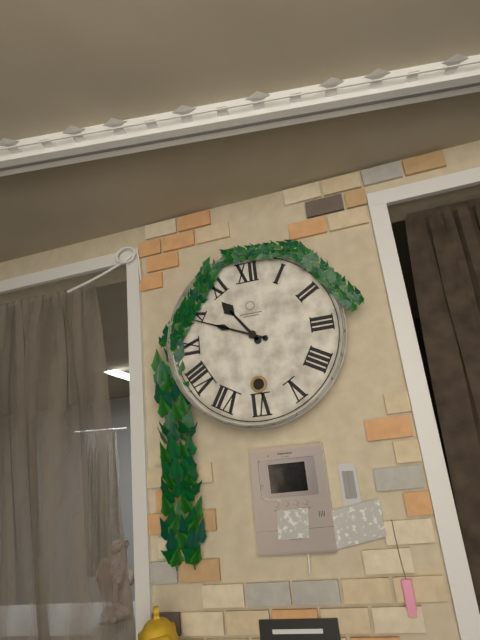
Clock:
10 h 49 min
